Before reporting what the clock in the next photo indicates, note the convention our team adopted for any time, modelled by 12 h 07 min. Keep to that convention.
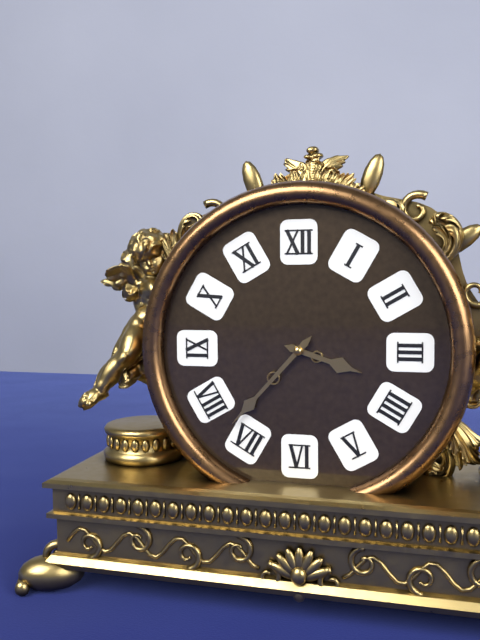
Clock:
3 h 37 min
